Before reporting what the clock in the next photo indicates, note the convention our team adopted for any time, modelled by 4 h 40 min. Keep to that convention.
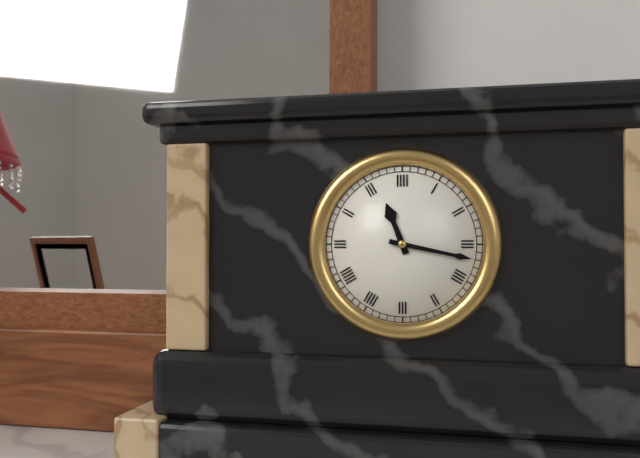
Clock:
11 h 17 min
